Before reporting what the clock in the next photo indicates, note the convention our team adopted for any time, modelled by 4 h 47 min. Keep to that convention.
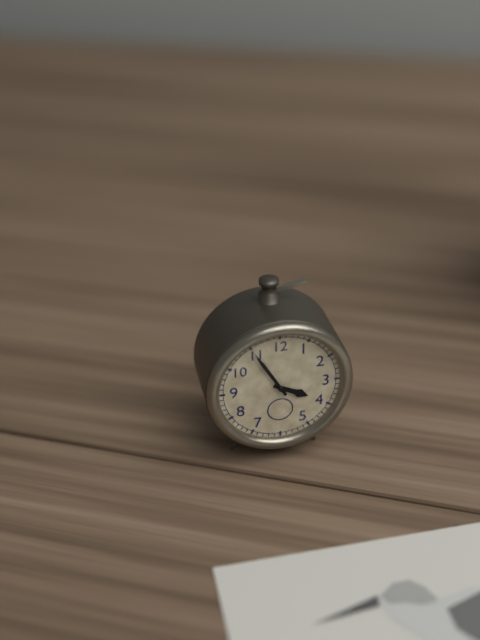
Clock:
3 h 55 min
